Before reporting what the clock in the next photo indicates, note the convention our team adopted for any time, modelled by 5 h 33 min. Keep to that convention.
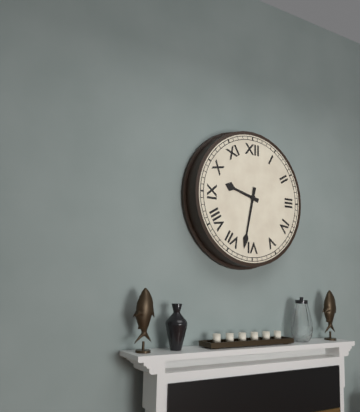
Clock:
9 h 32 min
